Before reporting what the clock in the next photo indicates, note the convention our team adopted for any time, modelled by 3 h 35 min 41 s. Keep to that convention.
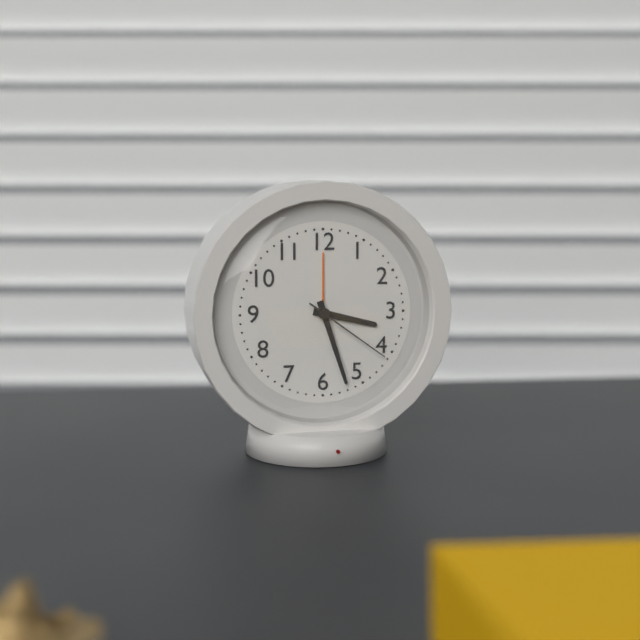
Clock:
3 h 27 min 21 s
